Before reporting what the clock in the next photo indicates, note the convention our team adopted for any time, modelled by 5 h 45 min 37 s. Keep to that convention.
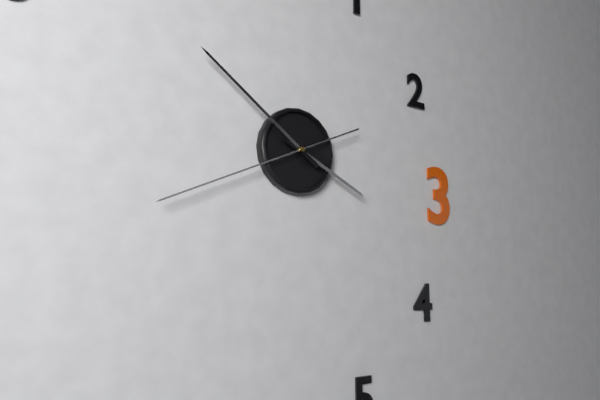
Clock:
3 h 51 min 41 s
